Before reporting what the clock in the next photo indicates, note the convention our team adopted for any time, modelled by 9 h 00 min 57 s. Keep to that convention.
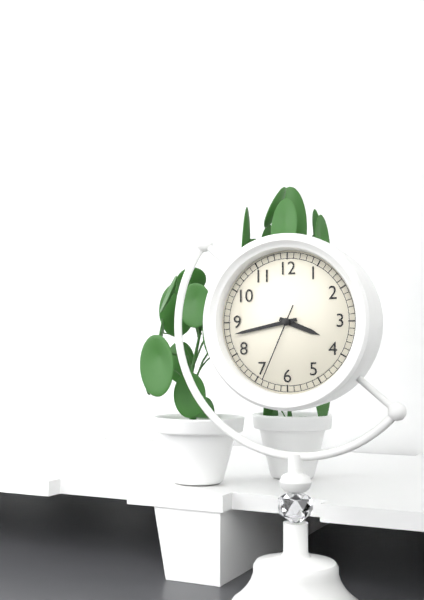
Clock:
3 h 43 min 34 s
